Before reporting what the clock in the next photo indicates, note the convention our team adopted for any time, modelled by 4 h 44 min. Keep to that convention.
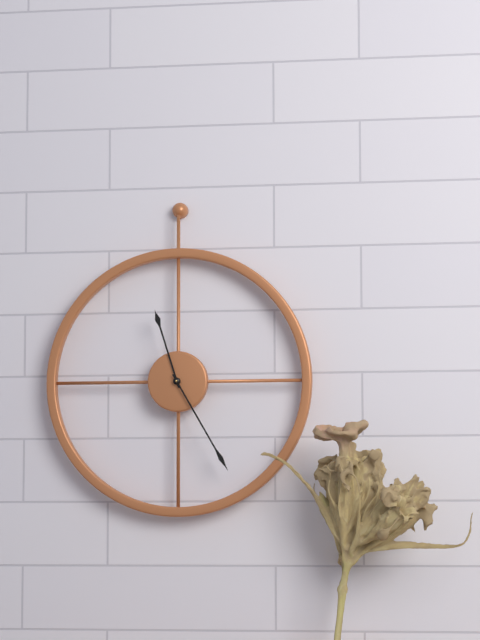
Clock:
11 h 25 min
